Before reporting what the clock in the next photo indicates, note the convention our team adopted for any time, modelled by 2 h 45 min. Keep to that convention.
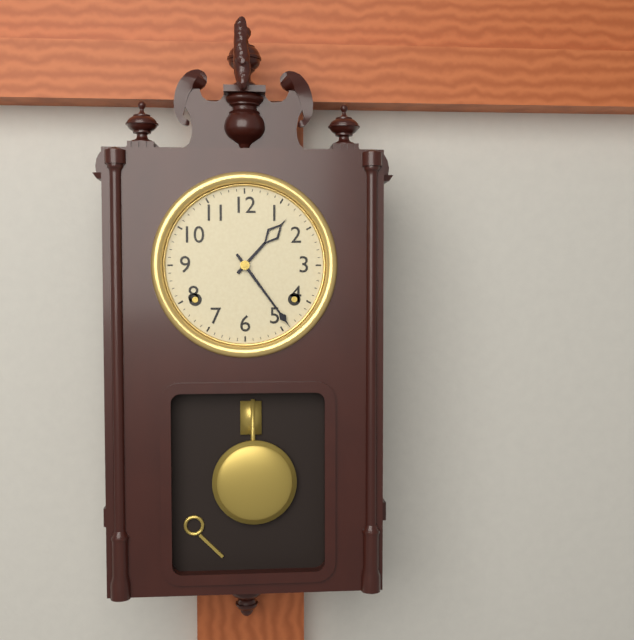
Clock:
1 h 24 min
